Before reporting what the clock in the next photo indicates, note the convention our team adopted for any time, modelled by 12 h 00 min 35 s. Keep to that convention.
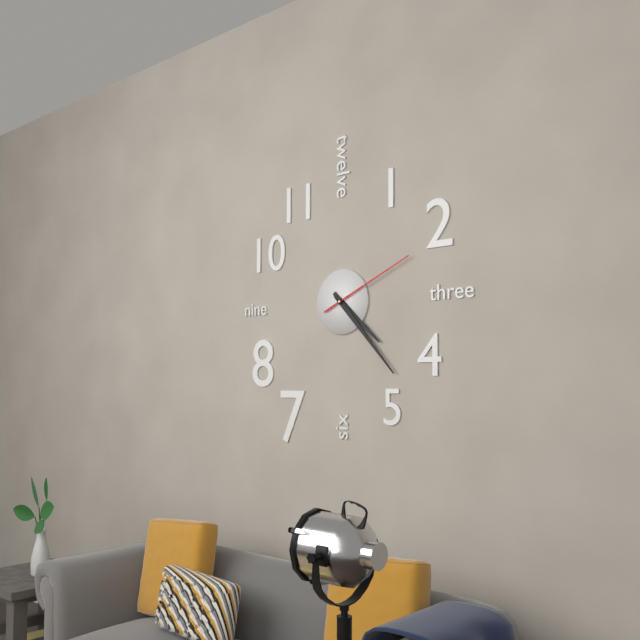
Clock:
4 h 23 min 11 s
